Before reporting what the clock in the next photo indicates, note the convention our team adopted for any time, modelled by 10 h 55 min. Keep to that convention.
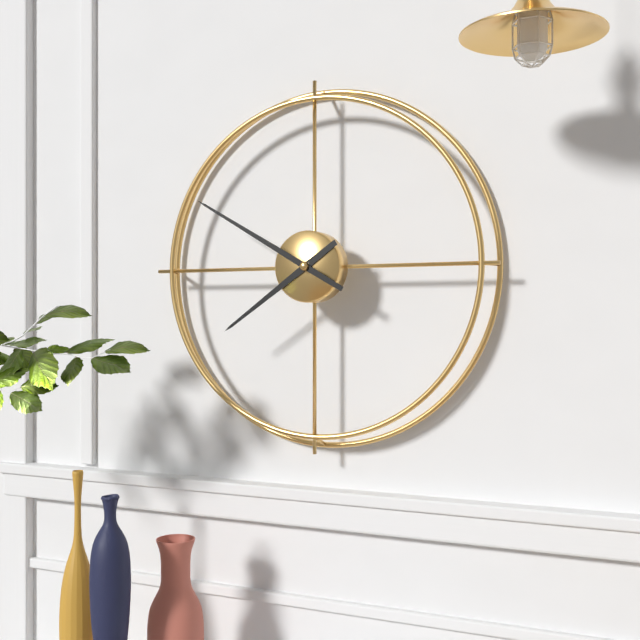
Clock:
7 h 50 min
